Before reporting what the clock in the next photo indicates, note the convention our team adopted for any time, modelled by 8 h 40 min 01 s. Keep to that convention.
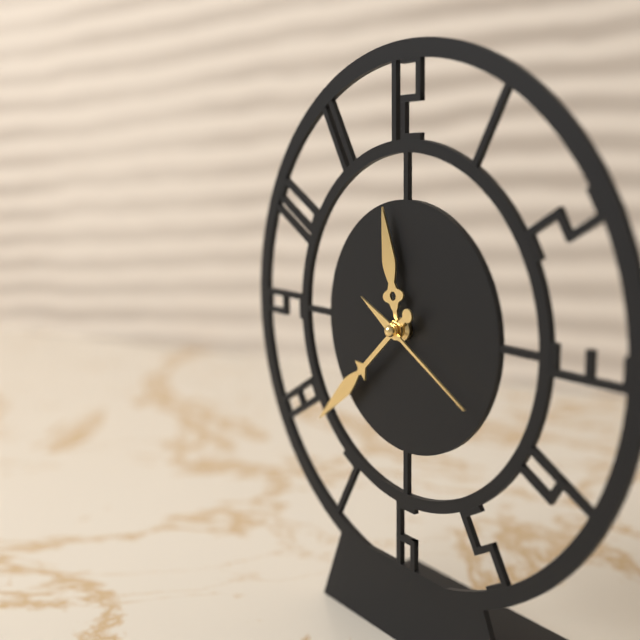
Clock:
11 h 38 min 20 s
